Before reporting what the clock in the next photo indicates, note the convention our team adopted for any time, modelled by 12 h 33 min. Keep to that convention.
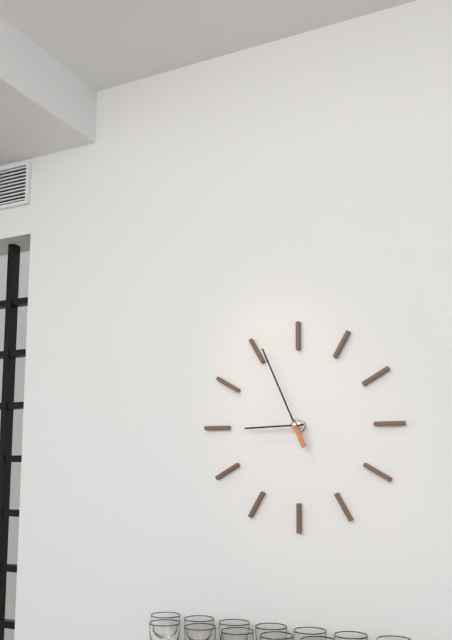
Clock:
8 h 56 min
